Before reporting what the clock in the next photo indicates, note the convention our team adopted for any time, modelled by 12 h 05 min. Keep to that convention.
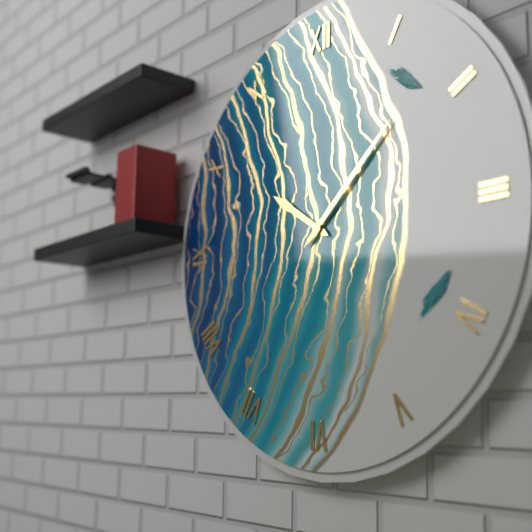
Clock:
10 h 08 min
